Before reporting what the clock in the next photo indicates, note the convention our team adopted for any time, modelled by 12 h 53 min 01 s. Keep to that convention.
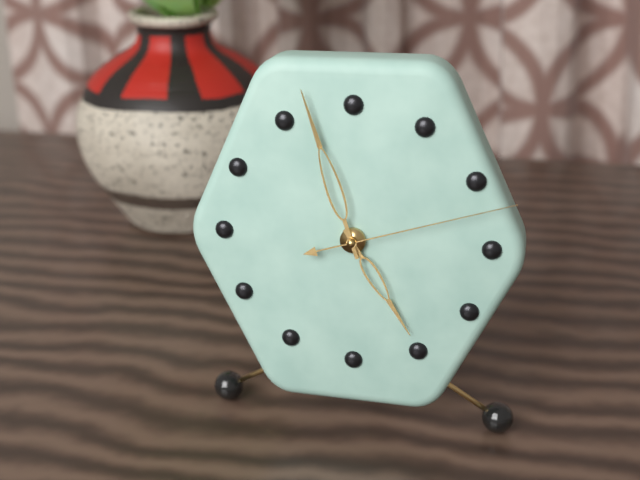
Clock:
4 h 57 min 12 s
